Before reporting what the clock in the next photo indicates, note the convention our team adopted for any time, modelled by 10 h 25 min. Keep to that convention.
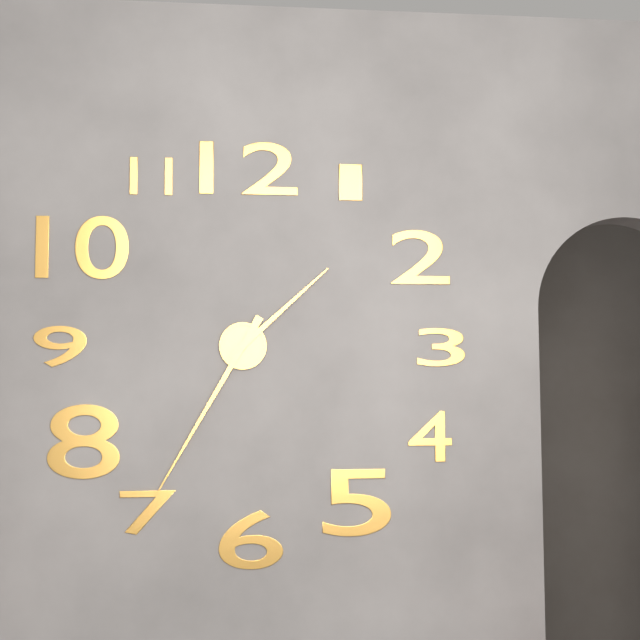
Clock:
1 h 35 min
